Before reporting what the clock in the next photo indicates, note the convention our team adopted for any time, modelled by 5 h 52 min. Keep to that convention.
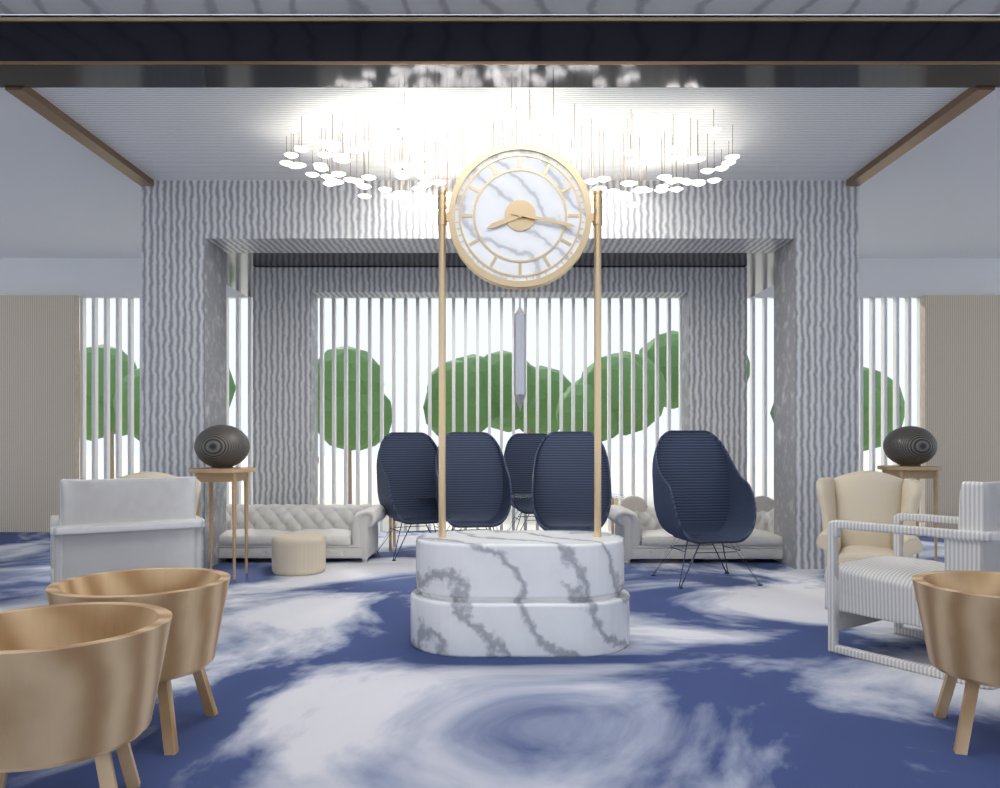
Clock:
8 h 17 min
